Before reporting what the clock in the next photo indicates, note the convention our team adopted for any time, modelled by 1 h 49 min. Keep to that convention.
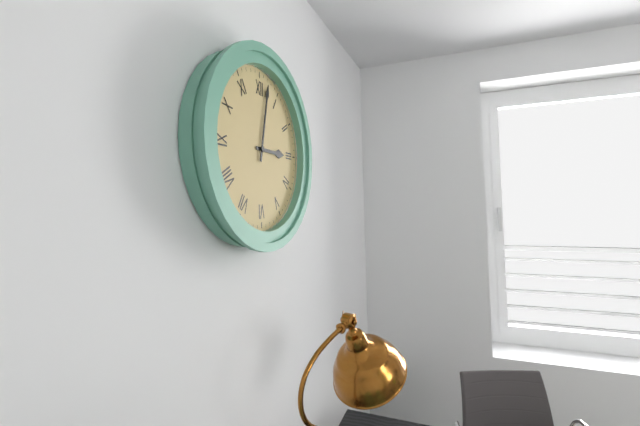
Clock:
3 h 02 min
